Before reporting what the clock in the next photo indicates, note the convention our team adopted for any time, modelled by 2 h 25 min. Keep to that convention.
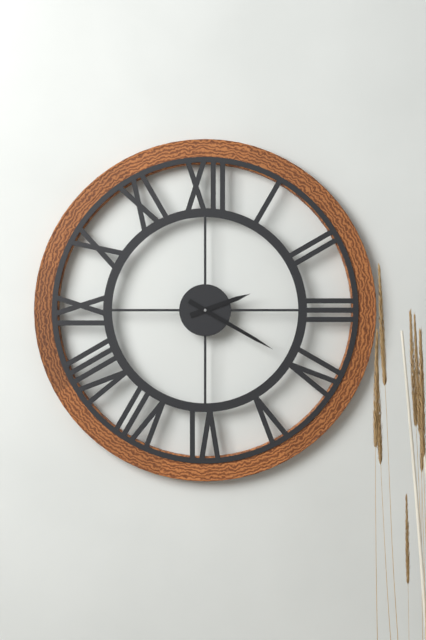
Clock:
2 h 20 min
